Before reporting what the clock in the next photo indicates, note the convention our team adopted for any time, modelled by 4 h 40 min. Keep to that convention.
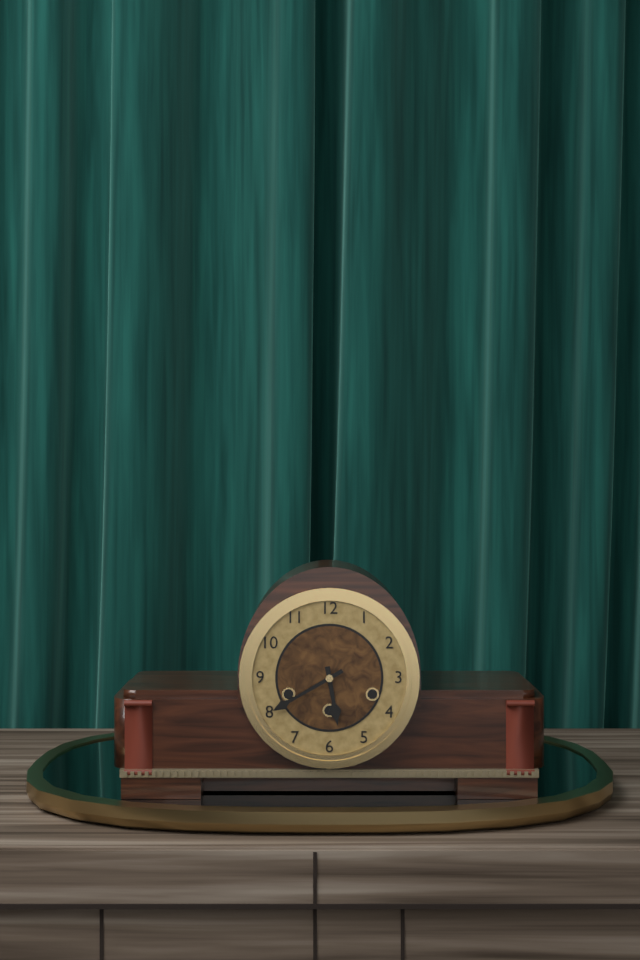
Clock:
5 h 40 min
